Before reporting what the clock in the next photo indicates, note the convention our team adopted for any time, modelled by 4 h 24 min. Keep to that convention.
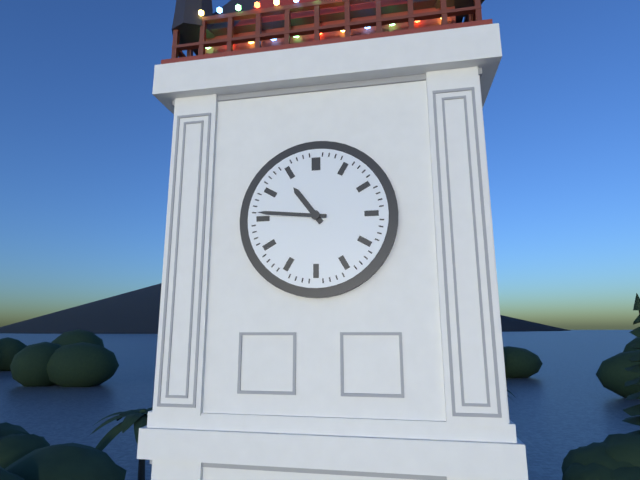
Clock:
10 h 46 min
